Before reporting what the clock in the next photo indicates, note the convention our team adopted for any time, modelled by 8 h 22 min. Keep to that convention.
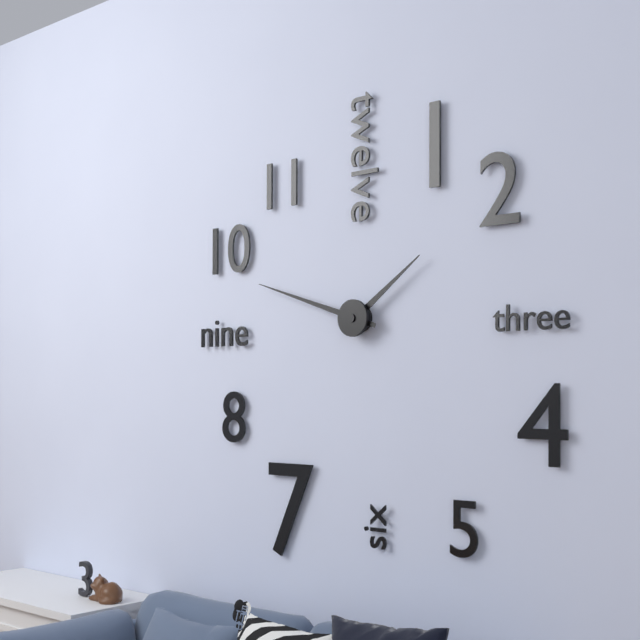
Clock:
1 h 48 min
